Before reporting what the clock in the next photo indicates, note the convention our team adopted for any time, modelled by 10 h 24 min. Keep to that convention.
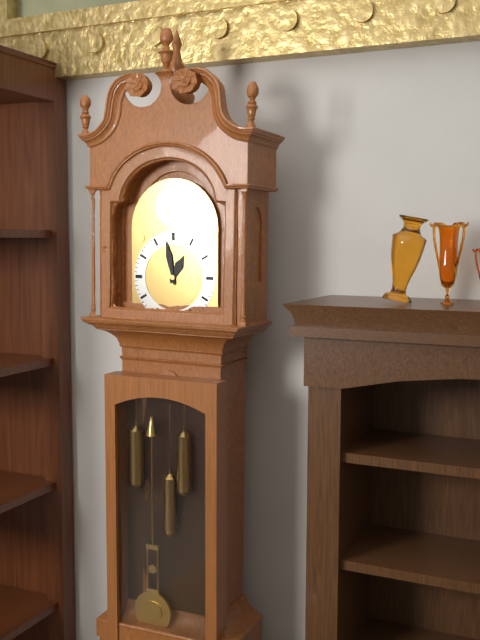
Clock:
12 h 58 min
